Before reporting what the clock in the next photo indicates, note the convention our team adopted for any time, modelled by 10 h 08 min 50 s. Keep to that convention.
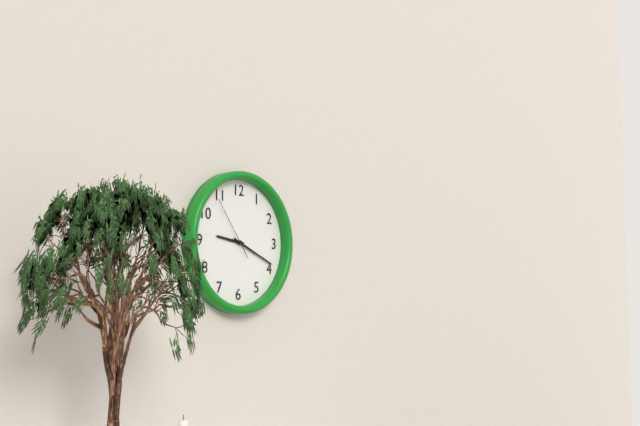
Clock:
9 h 19 min 54 s
